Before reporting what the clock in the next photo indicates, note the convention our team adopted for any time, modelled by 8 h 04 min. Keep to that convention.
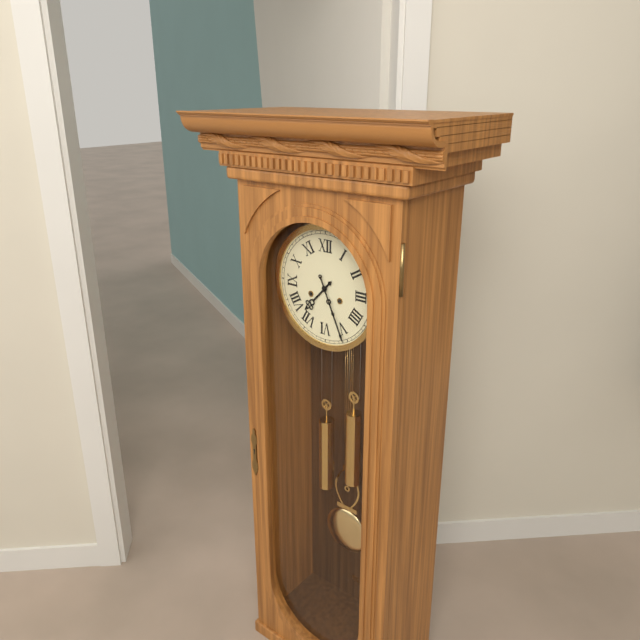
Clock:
7 h 26 min
